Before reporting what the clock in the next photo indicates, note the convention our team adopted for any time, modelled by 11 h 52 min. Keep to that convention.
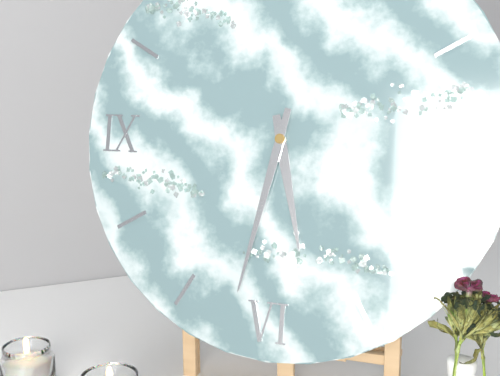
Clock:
5 h 32 min
